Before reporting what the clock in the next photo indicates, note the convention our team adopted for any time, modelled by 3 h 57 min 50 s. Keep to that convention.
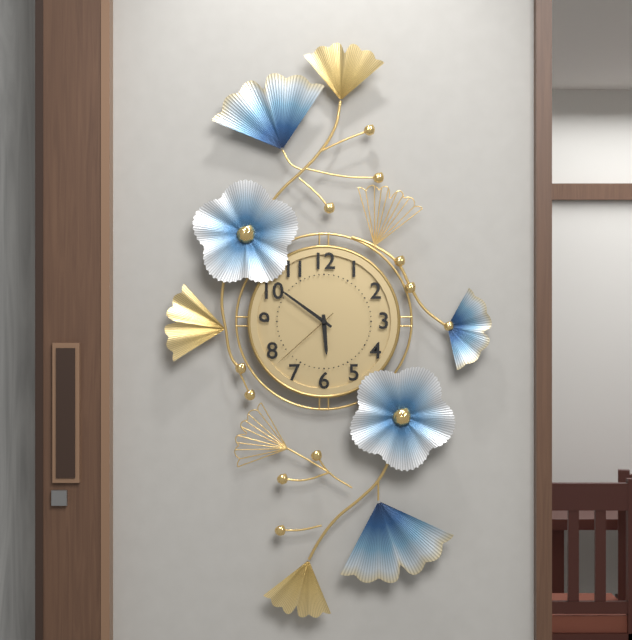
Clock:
5 h 51 min 38 s
